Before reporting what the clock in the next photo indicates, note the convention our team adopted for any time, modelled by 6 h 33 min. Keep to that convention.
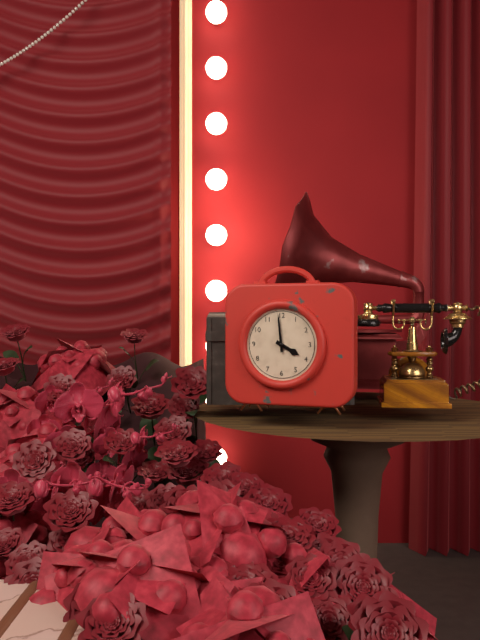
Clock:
3 h 59 min
